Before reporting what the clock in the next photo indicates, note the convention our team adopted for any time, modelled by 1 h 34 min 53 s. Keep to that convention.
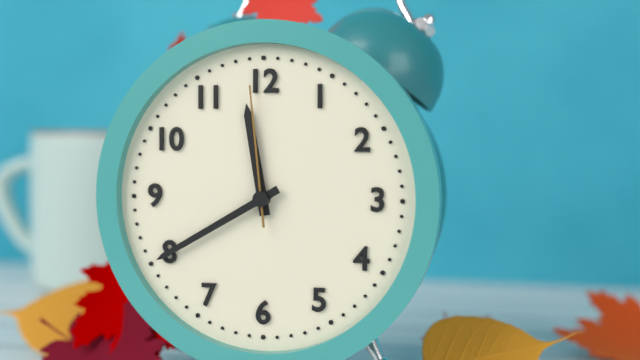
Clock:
11 h 40 min 59 s
